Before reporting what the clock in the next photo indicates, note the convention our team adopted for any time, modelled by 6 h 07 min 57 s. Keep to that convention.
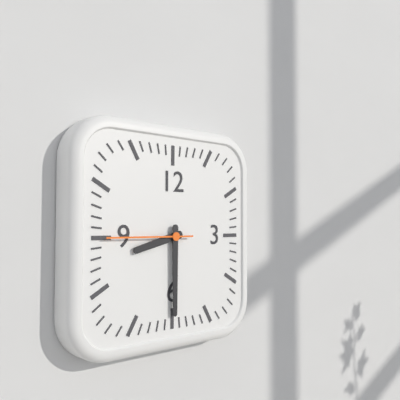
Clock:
8 h 30 min 45 s
